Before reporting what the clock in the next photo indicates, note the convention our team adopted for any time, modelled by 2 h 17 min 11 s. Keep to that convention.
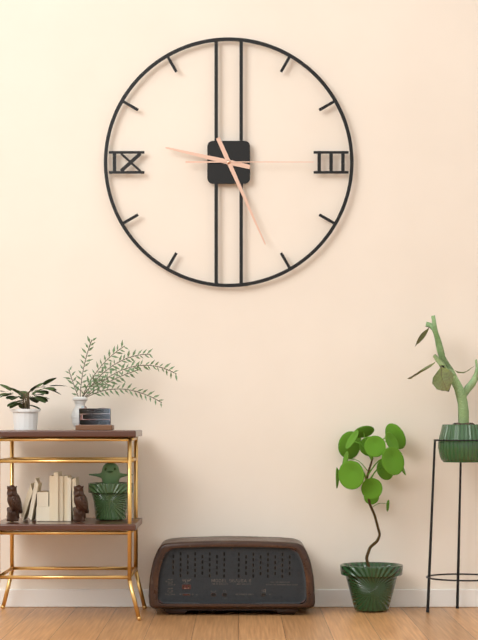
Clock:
9 h 26 min 15 s
